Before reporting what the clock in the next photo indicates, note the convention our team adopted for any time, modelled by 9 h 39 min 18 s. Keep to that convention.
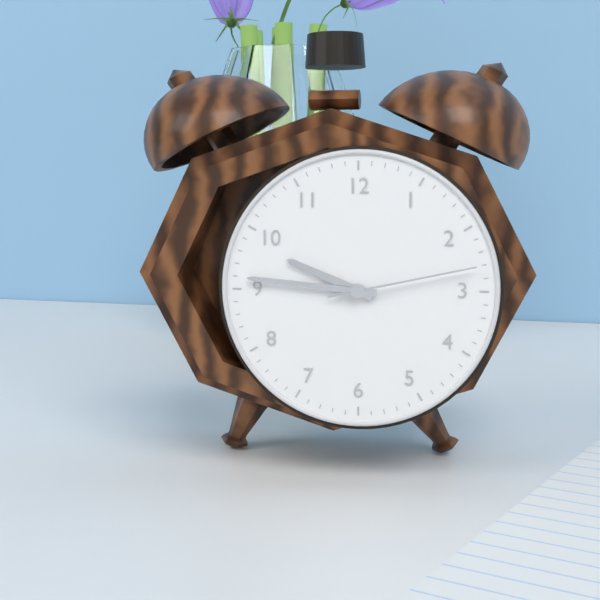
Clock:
9 h 46 min 13 s
